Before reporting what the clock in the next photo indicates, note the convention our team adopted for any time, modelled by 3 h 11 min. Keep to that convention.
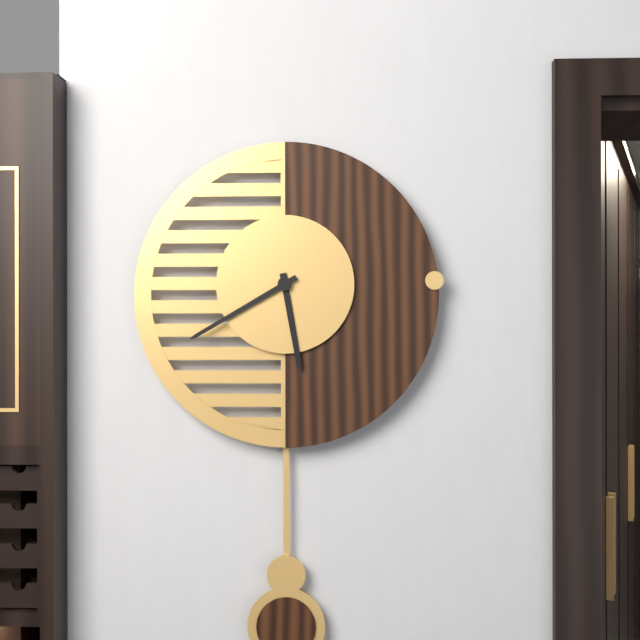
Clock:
5 h 40 min
